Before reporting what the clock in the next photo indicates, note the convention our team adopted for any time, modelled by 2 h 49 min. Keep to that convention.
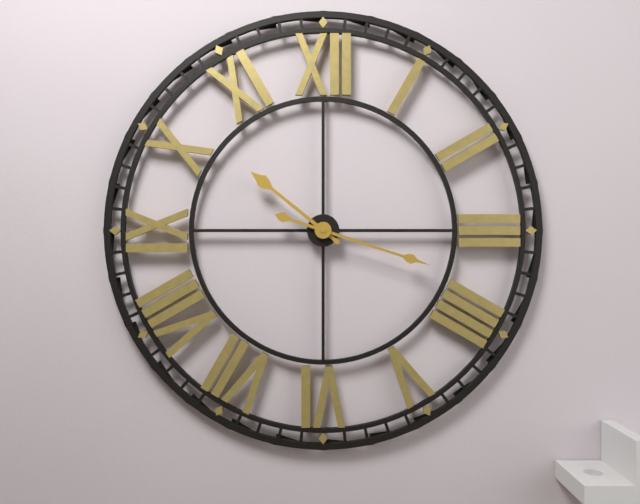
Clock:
10 h 18 min
